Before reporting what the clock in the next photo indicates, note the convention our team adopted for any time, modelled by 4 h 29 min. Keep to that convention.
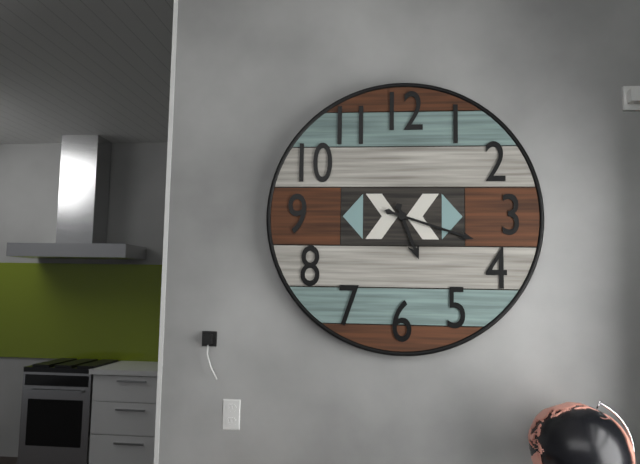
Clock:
5 h 18 min
